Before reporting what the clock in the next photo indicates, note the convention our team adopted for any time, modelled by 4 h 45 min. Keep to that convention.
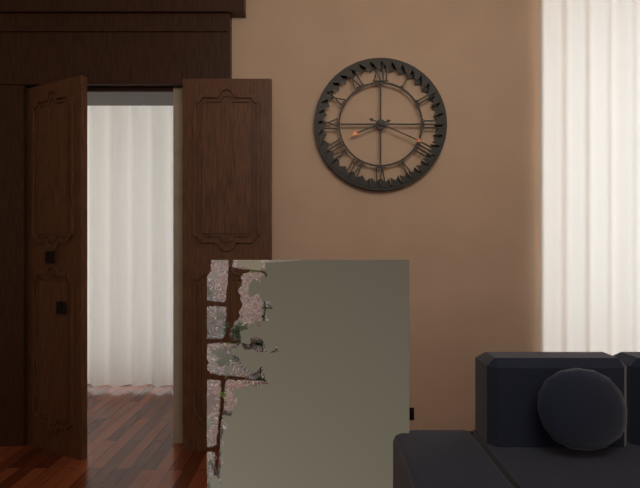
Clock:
8 h 19 min
